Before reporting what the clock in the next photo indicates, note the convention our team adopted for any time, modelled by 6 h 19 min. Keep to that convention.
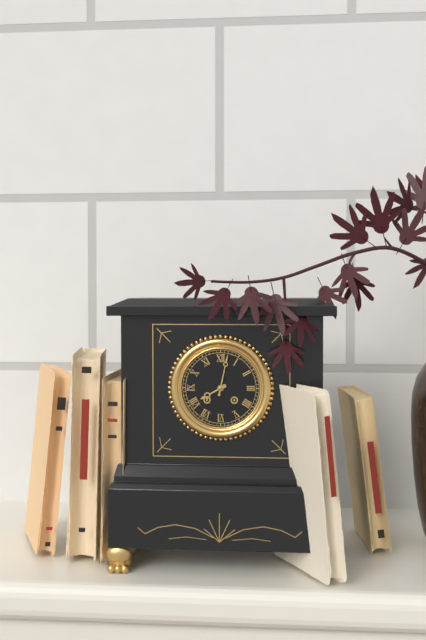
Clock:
8 h 02 min
